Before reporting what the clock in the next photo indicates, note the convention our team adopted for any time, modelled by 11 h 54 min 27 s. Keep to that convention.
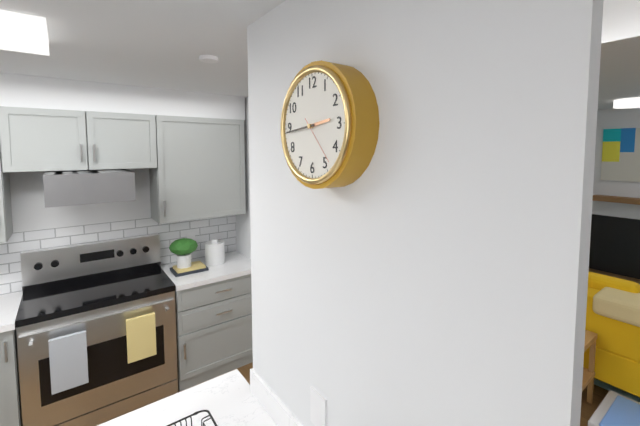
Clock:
2 h 44 min 23 s
